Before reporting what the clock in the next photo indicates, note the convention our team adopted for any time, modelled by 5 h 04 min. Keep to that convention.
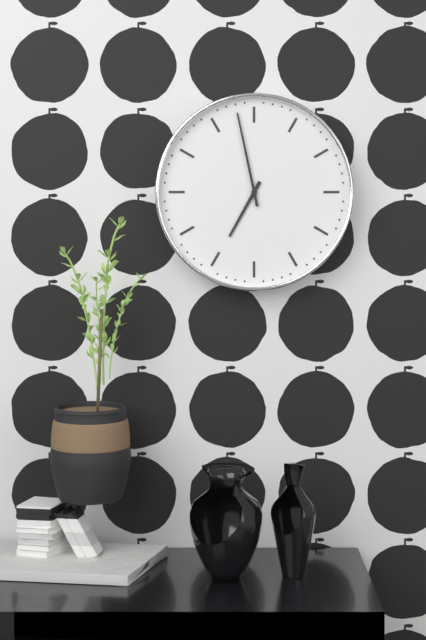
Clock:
6 h 58 min
